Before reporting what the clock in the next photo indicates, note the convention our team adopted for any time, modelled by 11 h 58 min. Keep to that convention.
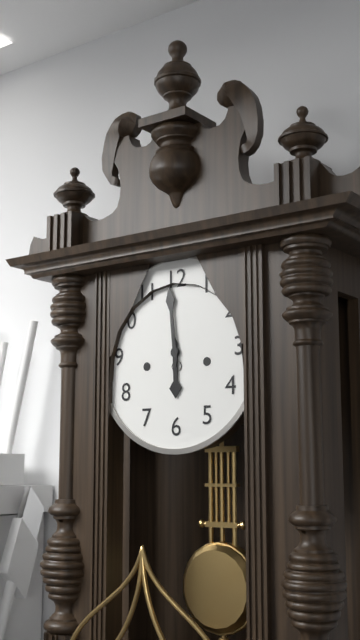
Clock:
5 h 59 min
